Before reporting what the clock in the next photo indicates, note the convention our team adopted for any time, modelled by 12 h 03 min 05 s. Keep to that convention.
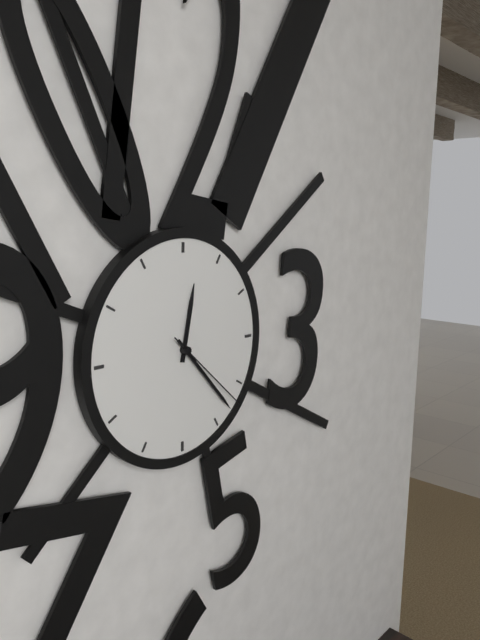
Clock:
12 h 23 min 22 s
